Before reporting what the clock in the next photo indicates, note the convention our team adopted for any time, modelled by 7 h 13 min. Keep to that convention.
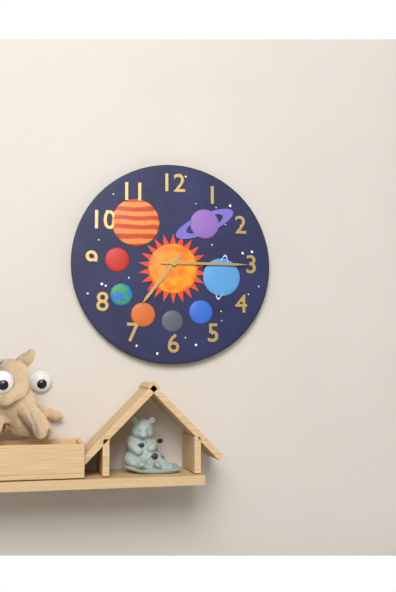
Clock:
7 h 15 min
